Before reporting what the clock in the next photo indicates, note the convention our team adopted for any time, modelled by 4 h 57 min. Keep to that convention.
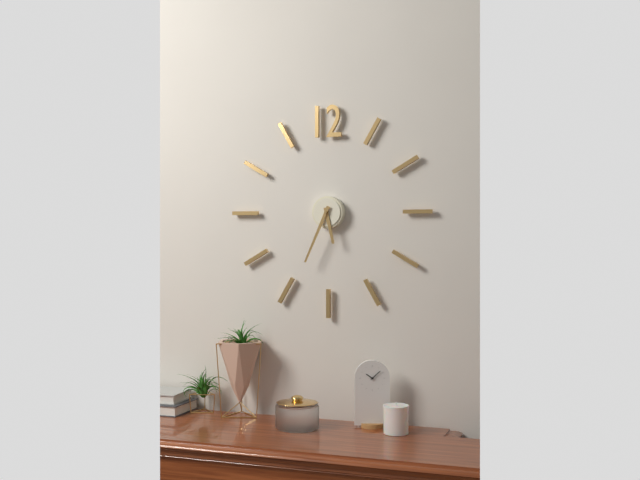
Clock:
5 h 34 min
